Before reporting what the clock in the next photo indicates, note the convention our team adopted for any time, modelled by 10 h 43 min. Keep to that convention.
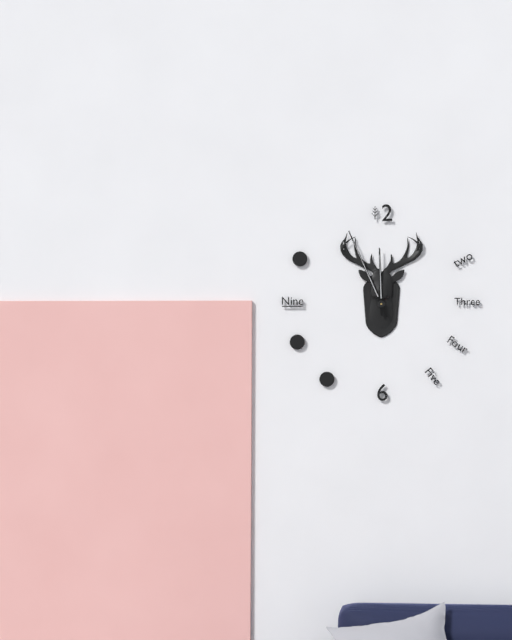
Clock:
11 h 56 min
